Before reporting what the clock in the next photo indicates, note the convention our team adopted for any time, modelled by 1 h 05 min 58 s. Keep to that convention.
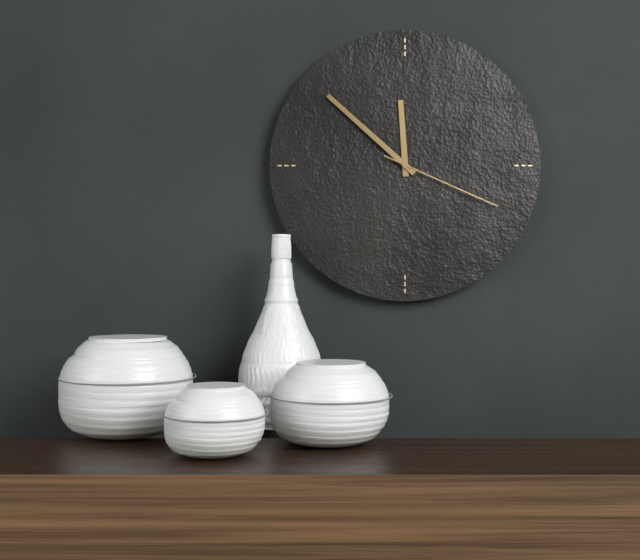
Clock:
11 h 52 min 19 s
